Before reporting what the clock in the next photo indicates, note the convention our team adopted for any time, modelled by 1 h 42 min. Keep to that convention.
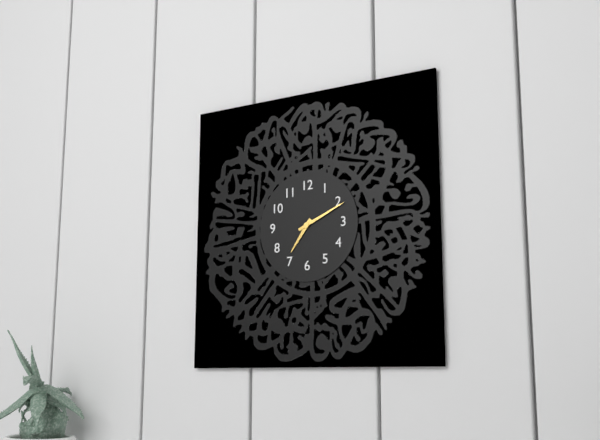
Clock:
7 h 11 min
